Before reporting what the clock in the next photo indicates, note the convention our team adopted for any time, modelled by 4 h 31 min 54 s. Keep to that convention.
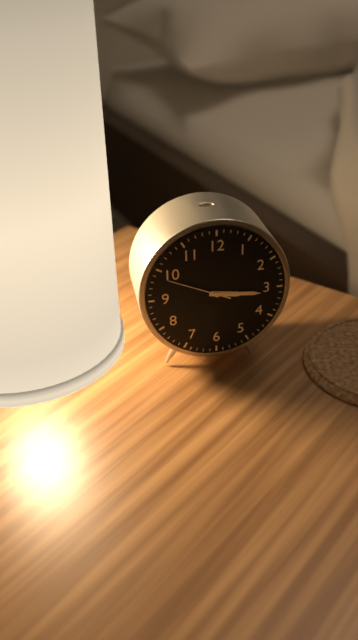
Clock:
3 h 16 min 49 s
